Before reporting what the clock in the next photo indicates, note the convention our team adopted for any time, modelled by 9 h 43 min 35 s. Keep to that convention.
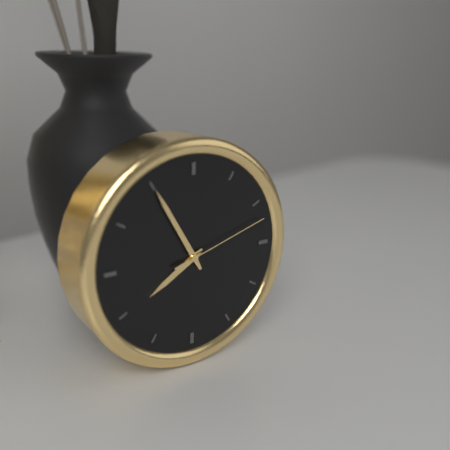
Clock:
7 h 55 min 12 s
